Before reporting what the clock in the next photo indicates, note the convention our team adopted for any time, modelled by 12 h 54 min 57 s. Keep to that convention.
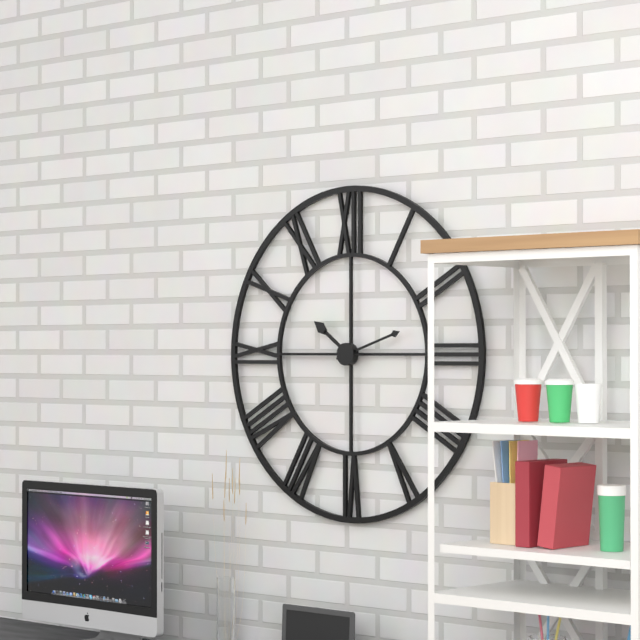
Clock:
10 h 12 min 45 s
